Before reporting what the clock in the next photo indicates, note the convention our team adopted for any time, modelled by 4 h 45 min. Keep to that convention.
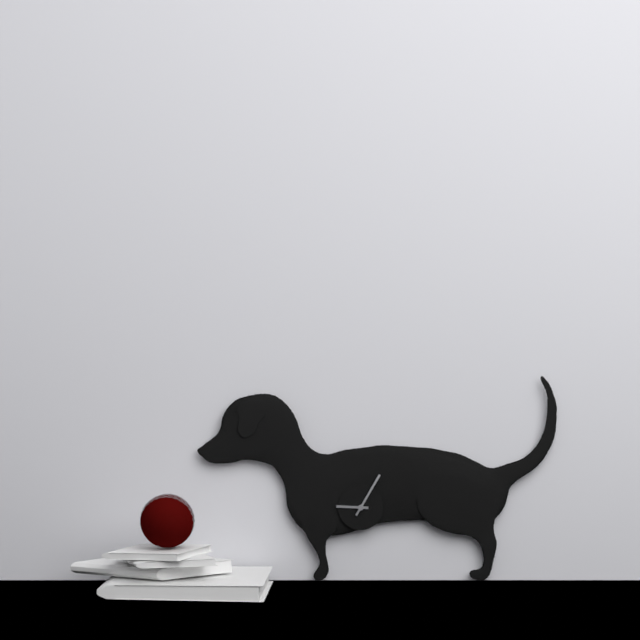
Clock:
9 h 05 min
